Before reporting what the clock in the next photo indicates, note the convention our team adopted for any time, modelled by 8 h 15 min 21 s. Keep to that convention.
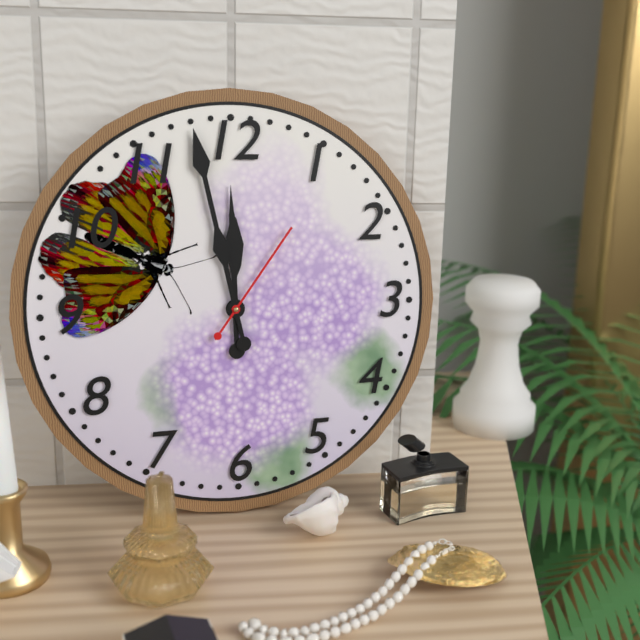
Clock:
11 h 58 min 06 s
